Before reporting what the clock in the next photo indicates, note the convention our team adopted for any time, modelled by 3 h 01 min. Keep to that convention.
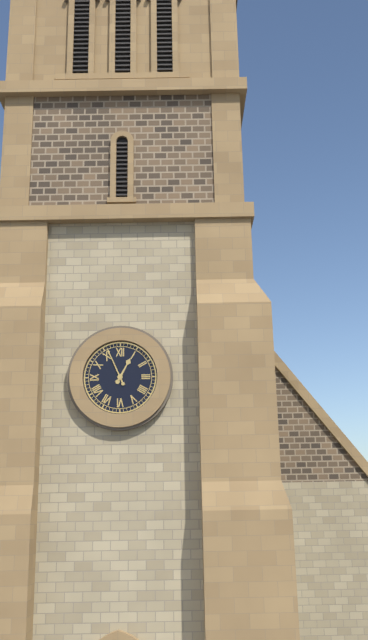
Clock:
12 h 56 min
